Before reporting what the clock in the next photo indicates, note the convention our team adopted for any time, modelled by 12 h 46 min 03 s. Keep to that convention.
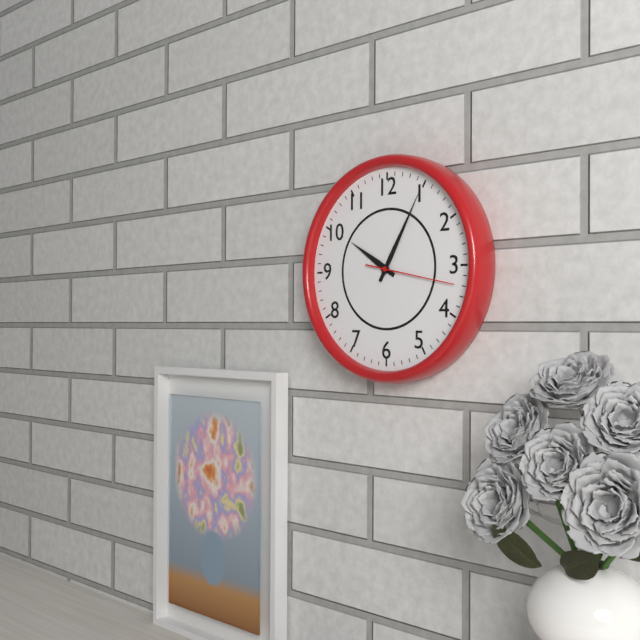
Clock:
10 h 05 min 17 s
